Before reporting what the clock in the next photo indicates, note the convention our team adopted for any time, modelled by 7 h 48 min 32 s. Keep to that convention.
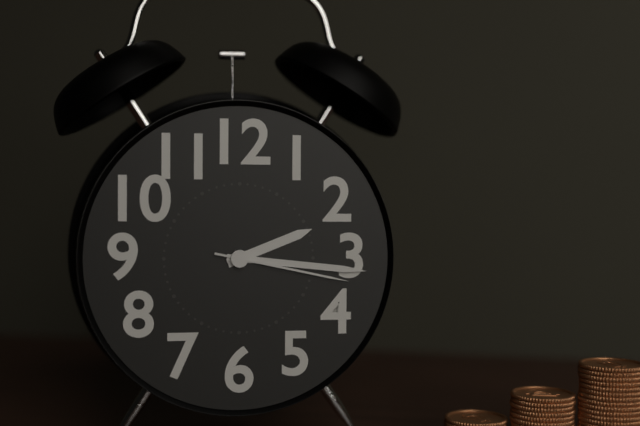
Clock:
2 h 16 min 17 s
